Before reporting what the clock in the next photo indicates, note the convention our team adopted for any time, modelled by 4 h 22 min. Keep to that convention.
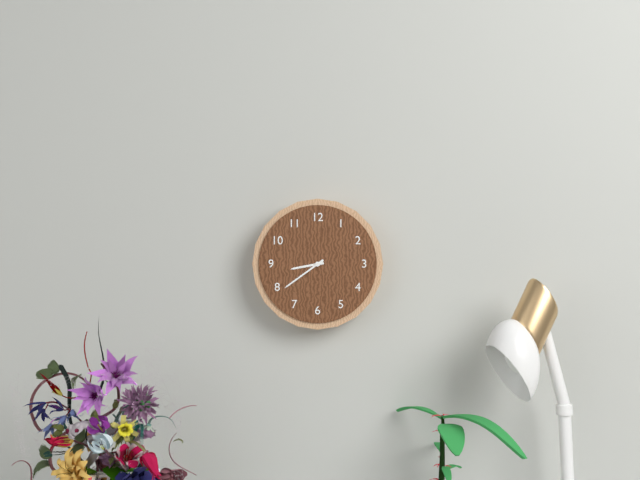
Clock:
8 h 39 min
